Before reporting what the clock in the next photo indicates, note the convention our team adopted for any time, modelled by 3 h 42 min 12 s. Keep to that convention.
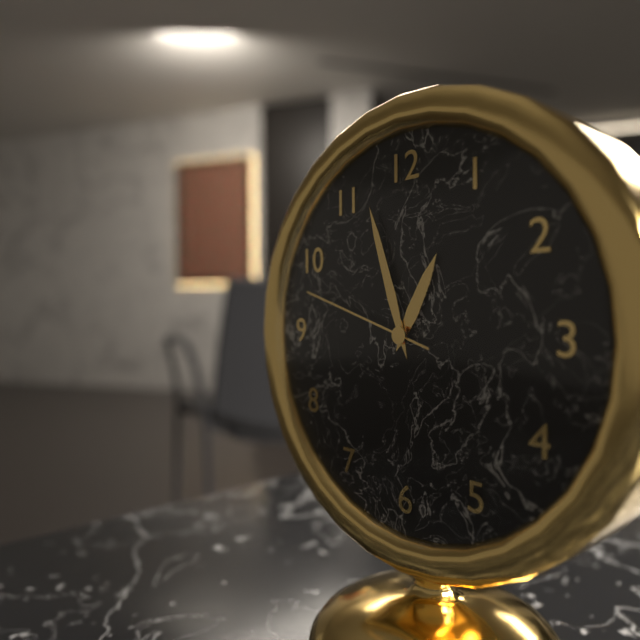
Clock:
12 h 57 min 48 s
